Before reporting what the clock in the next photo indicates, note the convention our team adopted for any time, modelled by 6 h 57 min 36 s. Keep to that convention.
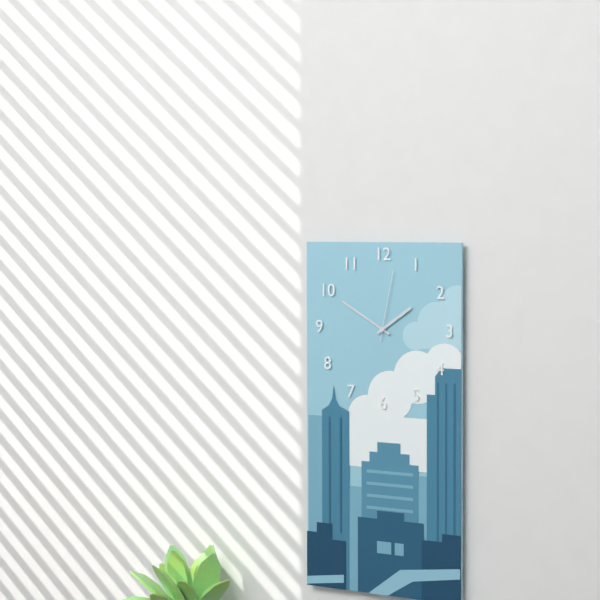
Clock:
1 h 50 min 02 s
